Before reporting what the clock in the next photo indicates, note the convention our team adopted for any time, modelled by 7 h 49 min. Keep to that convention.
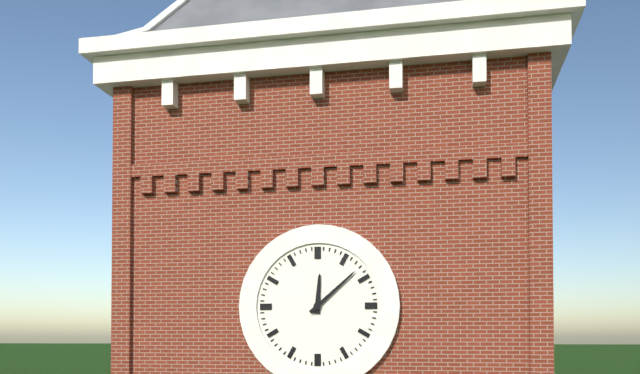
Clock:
12 h 08 min
